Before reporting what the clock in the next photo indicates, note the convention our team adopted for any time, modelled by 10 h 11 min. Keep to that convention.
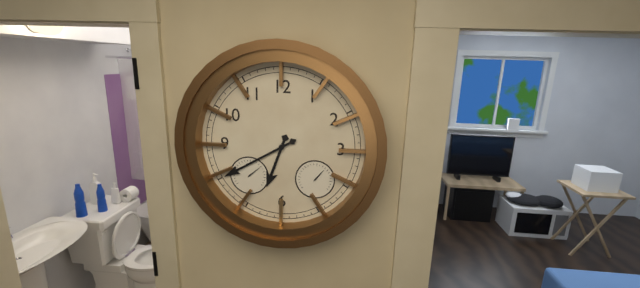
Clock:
6 h 40 min
